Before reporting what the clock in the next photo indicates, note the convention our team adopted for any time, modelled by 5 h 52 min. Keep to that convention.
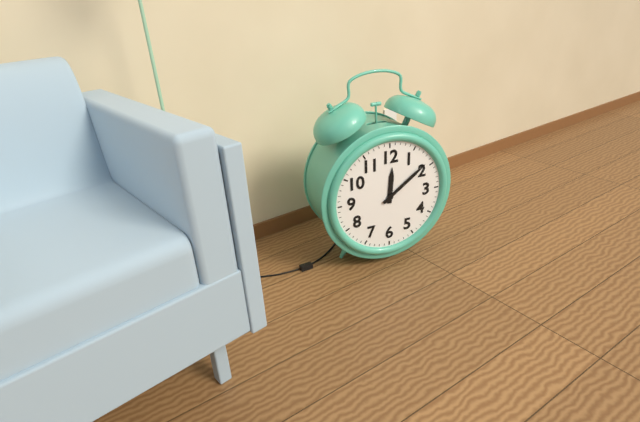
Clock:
12 h 09 min
